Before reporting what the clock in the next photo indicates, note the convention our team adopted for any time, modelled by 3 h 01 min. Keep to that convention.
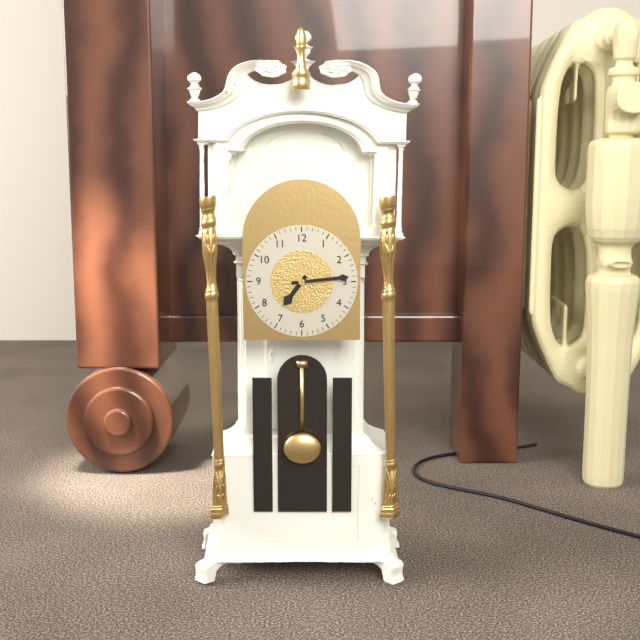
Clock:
7 h 14 min
